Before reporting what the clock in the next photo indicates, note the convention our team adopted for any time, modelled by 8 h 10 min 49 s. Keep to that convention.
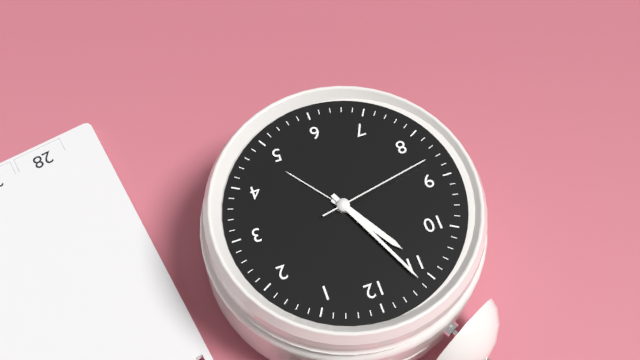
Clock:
10 h 56 min 43 s
